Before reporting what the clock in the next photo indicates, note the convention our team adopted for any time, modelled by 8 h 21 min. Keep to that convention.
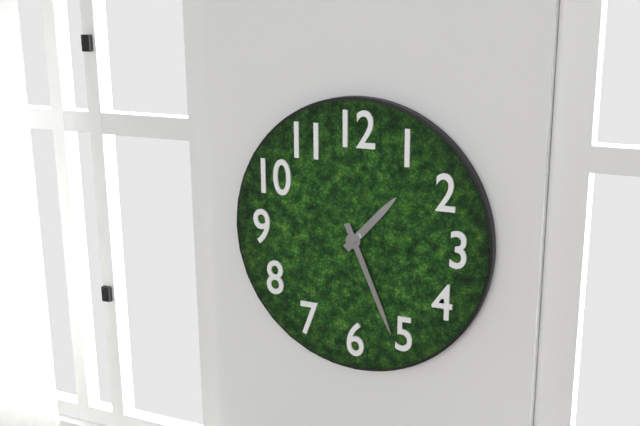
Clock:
1 h 26 min
